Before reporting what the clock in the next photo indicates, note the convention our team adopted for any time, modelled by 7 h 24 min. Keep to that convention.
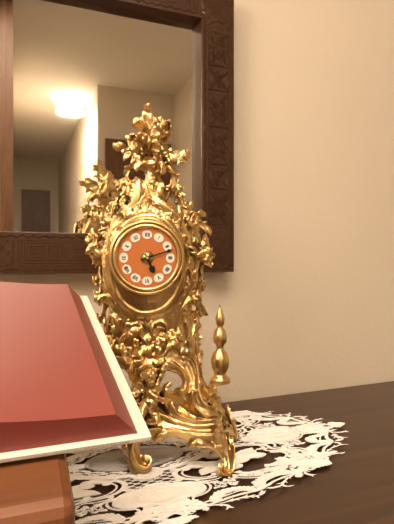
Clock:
5 h 12 min
